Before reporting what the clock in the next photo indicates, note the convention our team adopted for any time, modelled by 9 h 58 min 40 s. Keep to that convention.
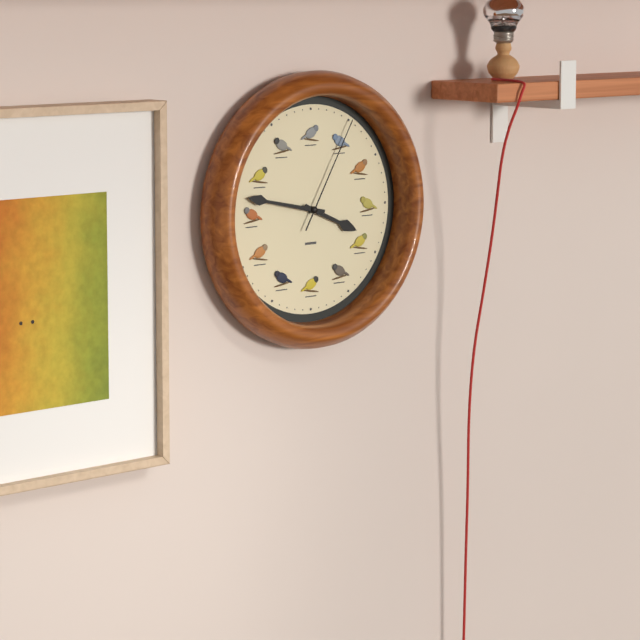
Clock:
3 h 47 min 05 s
